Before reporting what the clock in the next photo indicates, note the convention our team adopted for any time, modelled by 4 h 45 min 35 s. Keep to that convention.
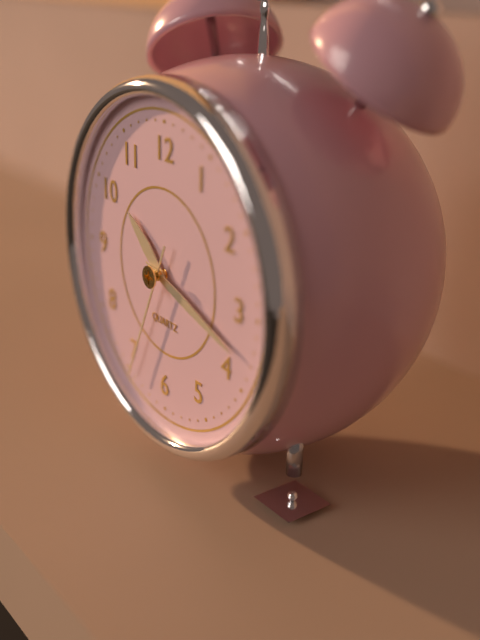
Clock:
10 h 18 min 34 s
